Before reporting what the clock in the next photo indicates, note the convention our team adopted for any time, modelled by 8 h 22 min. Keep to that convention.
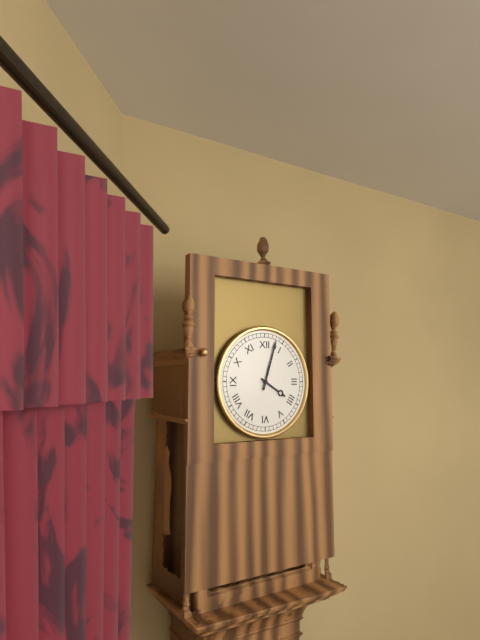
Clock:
4 h 03 min
